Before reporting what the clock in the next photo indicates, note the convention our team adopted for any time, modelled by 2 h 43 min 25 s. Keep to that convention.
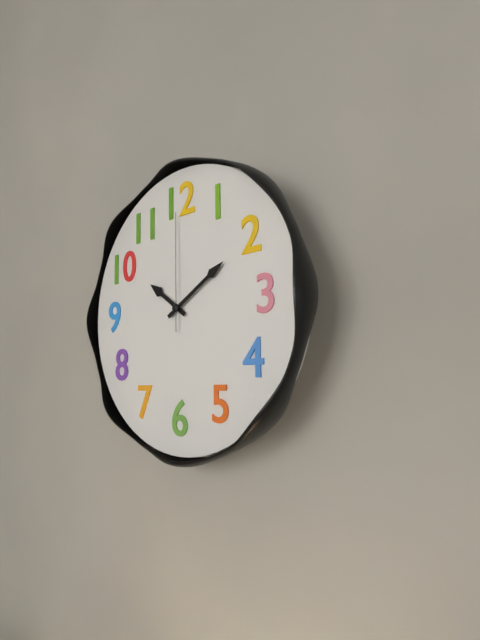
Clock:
10 h 10 min 00 s
